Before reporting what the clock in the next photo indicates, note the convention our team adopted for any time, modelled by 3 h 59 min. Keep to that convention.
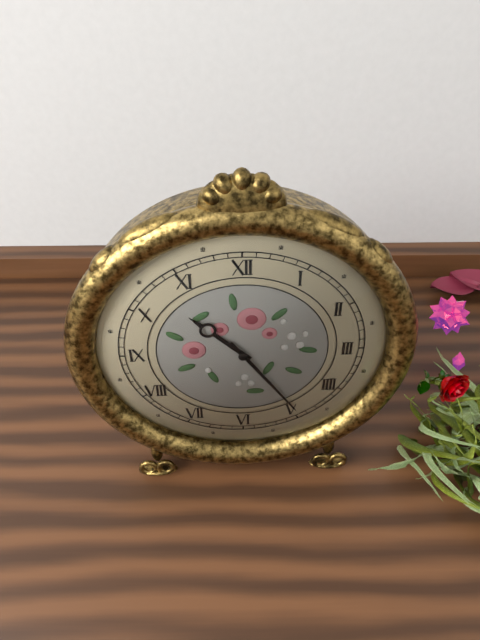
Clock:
10 h 24 min
